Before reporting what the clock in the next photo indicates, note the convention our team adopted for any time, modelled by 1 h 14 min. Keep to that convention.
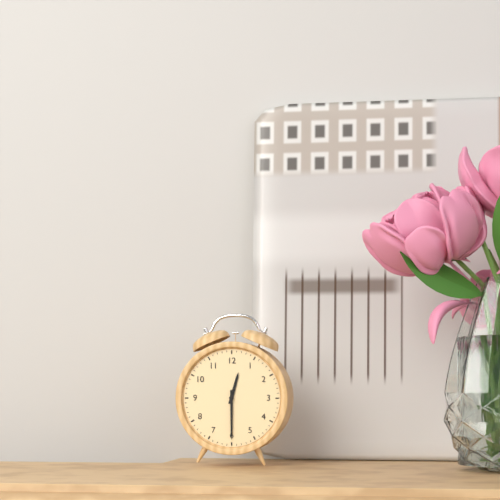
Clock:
12 h 30 min
